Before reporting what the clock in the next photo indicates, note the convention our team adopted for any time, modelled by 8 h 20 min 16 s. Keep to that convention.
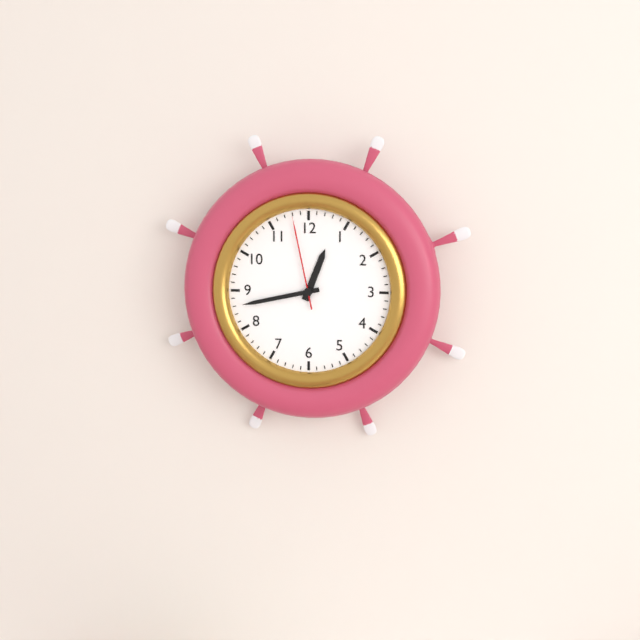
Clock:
12 h 43 min 58 s
